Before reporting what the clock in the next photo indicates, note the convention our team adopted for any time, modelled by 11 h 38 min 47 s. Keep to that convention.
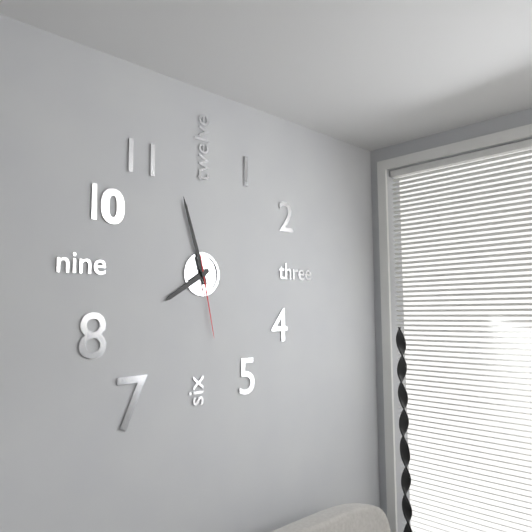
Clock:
7 h 57 min 28 s
